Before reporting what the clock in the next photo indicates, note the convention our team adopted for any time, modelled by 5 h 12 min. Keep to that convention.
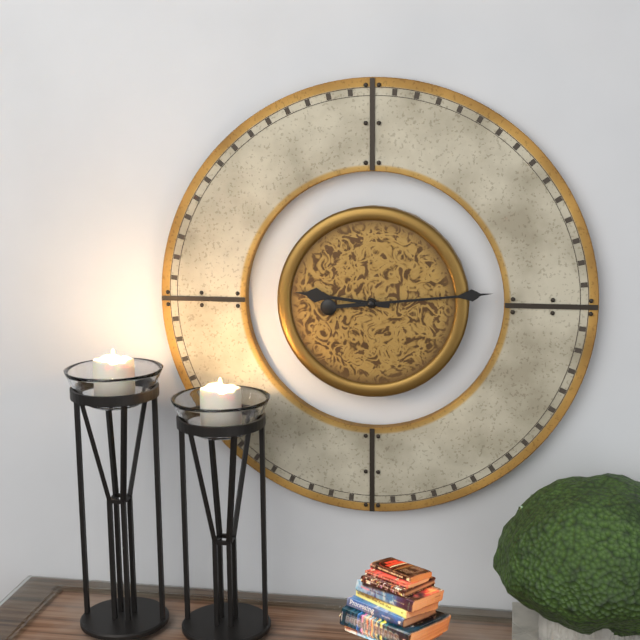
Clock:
9 h 14 min
